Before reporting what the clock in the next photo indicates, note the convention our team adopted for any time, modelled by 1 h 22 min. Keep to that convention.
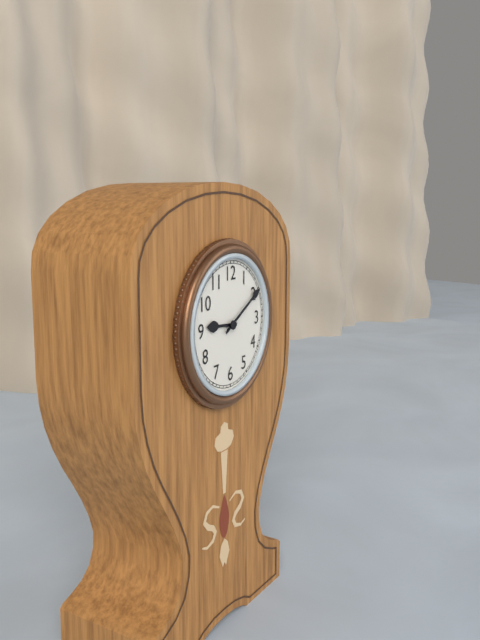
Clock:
9 h 10 min
